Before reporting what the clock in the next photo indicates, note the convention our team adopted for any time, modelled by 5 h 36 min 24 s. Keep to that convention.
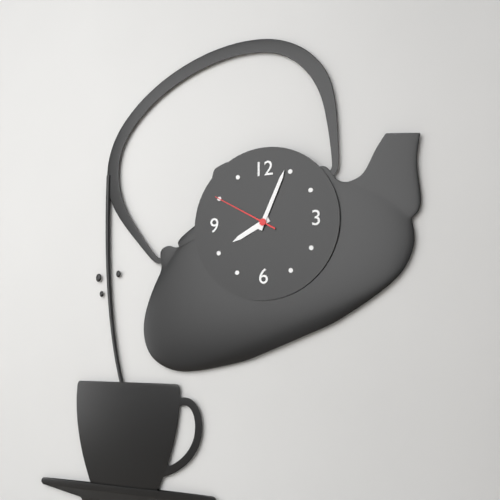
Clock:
8 h 04 min 50 s
